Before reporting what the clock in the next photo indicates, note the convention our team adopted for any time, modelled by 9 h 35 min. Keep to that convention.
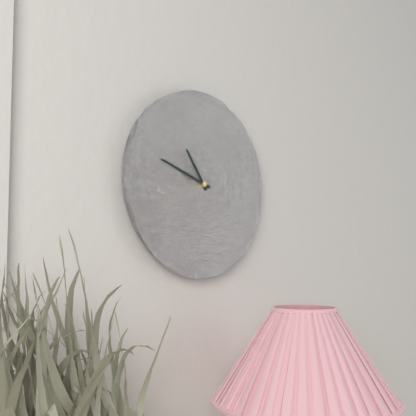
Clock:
10 h 48 min
